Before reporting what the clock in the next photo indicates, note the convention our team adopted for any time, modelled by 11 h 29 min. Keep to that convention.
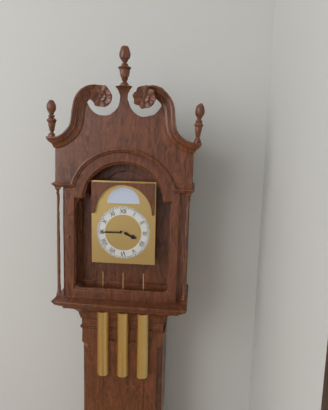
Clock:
3 h 45 min
